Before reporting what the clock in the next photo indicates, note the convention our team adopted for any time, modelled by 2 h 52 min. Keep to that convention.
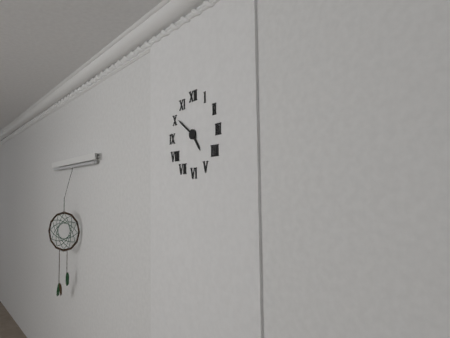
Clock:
4 h 51 min
